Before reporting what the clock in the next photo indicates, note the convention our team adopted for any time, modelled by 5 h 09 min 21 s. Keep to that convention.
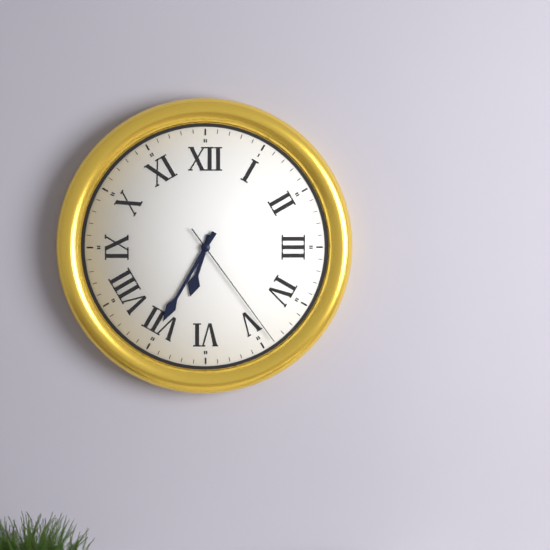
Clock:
6 h 35 min 24 s
